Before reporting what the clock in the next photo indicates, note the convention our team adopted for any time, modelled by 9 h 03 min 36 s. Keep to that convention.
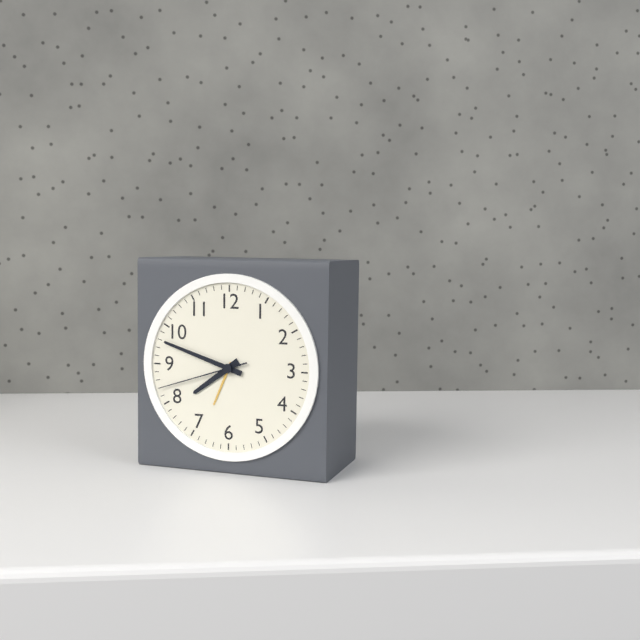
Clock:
7 h 48 min 42 s
